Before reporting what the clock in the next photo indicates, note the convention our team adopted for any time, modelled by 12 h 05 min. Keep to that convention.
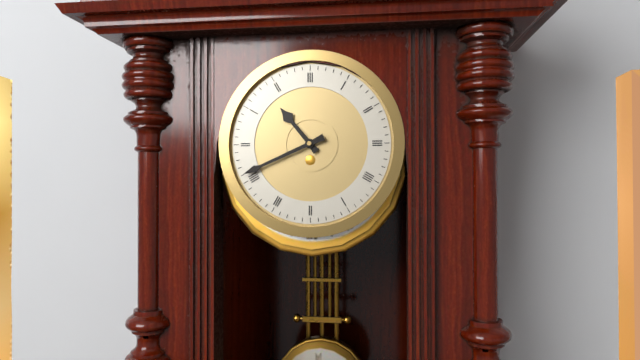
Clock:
10 h 41 min
